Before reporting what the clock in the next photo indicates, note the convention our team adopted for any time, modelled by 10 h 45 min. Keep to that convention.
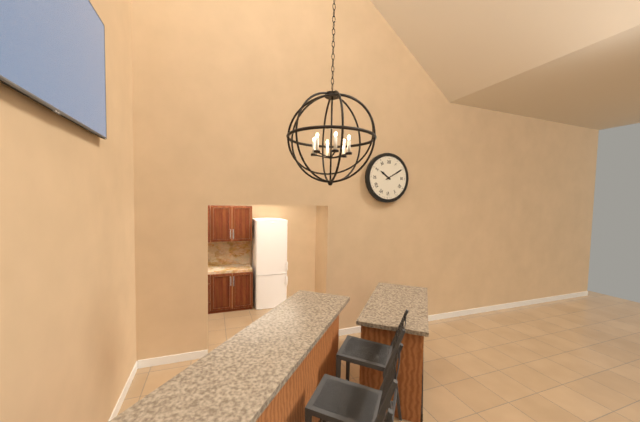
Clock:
10 h 10 min
